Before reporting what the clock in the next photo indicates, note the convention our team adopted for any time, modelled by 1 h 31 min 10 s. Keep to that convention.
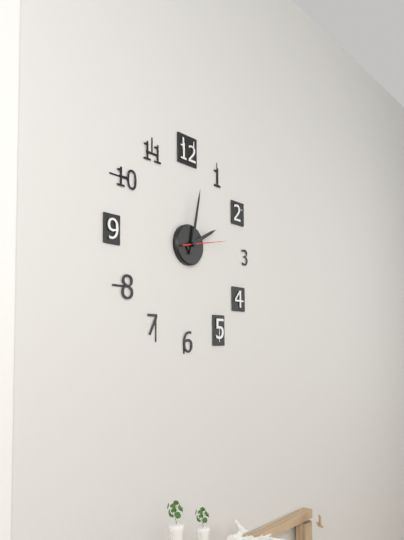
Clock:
2 h 02 min 13 s
